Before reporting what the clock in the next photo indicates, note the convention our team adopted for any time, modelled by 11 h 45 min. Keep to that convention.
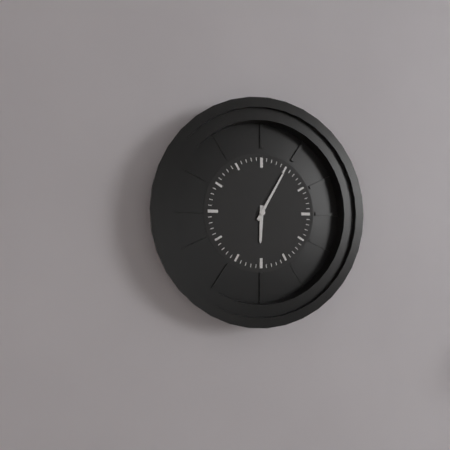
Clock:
6 h 05 min
